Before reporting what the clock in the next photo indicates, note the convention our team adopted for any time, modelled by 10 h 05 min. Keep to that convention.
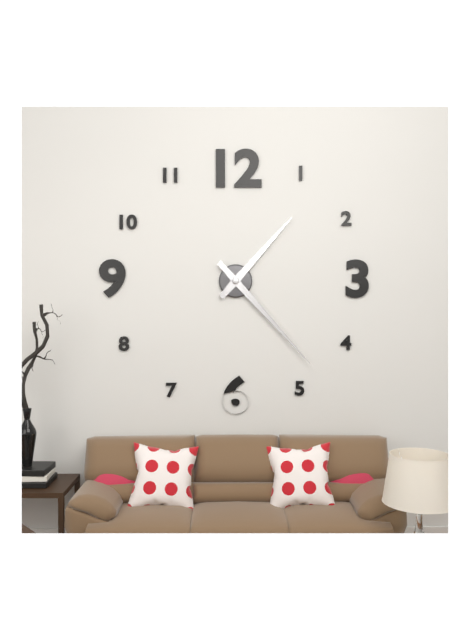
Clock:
1 h 23 min
